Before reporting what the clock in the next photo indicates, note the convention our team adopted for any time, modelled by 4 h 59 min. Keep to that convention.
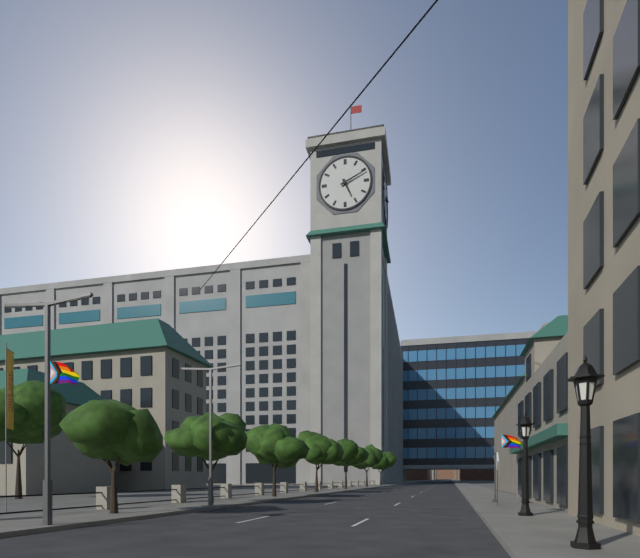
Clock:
5 h 11 min
